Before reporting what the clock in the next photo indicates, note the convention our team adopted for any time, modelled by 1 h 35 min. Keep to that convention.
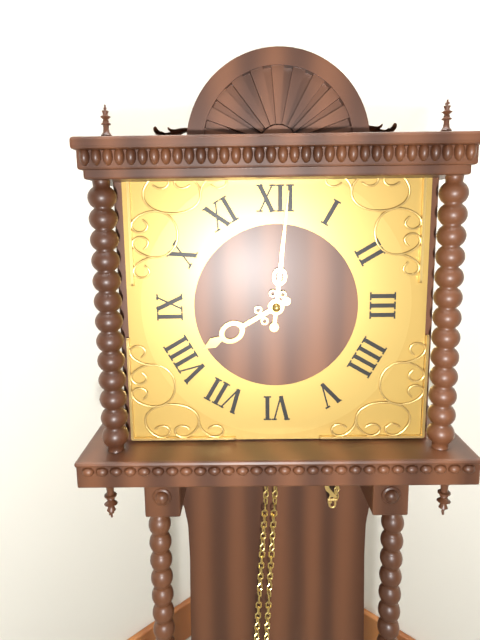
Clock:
8 h 01 min
